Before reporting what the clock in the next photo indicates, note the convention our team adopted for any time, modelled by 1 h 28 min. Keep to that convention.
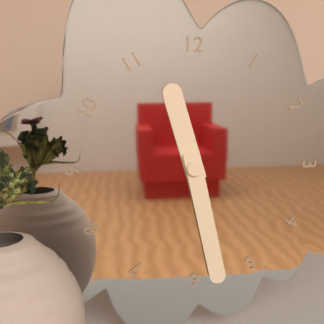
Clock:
11 h 28 min
